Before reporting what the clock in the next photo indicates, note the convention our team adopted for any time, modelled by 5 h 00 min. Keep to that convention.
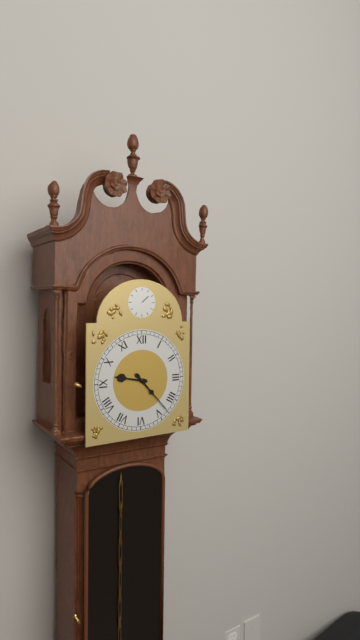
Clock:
9 h 23 min
